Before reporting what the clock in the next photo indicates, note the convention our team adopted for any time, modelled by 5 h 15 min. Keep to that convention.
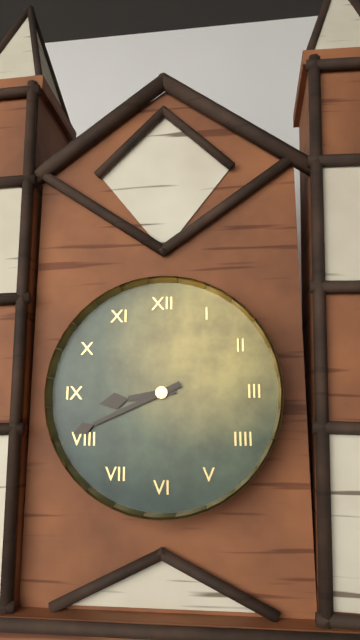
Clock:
8 h 41 min
